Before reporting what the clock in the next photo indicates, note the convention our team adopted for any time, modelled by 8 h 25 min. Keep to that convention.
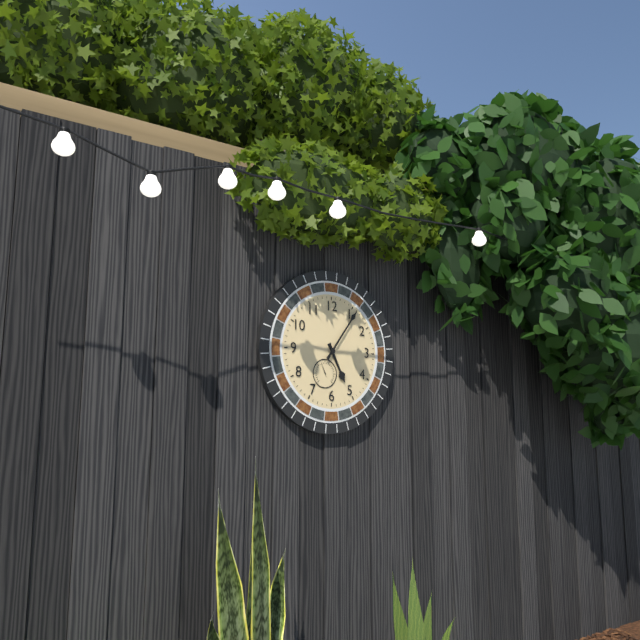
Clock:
5 h 06 min
